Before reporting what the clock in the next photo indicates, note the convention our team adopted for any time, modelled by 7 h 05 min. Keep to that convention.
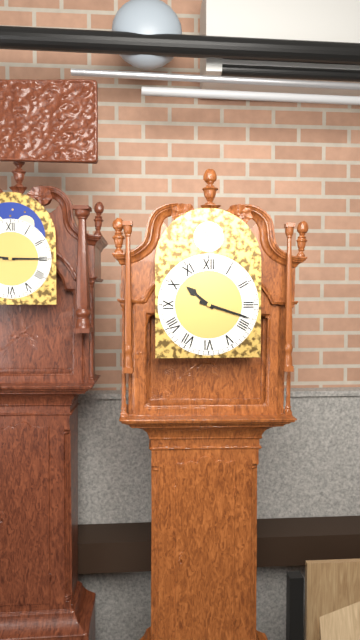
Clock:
10 h 18 min
